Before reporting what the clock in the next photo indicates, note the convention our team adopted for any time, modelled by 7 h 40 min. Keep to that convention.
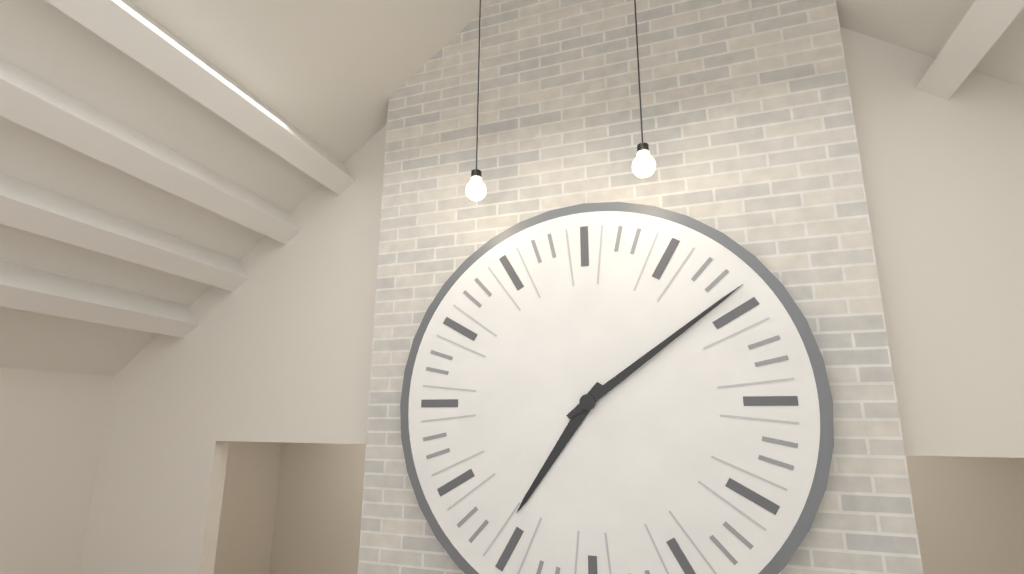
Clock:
7 h 09 min
